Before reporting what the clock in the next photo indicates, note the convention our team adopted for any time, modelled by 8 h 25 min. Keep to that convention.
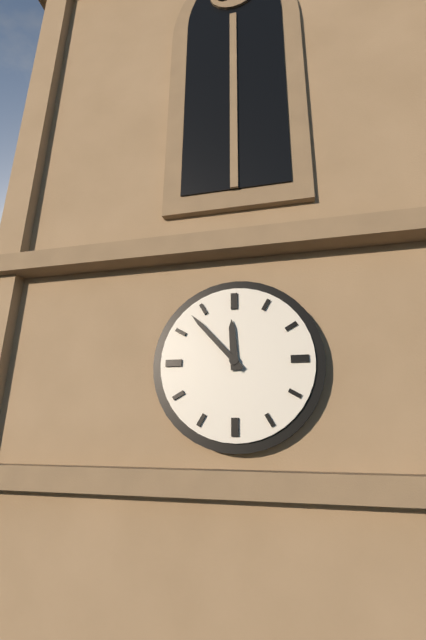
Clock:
11 h 53 min
